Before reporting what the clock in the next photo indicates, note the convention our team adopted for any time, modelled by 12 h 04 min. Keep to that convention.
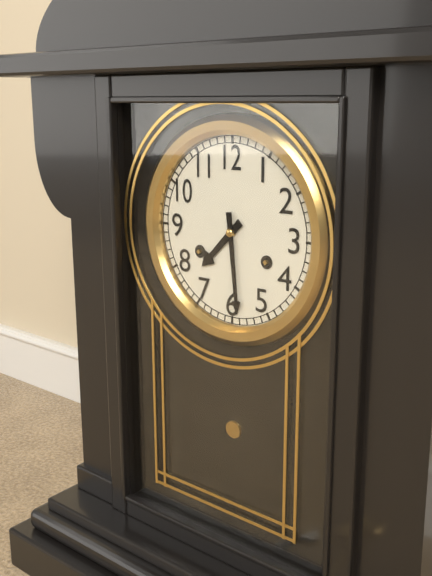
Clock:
7 h 29 min
